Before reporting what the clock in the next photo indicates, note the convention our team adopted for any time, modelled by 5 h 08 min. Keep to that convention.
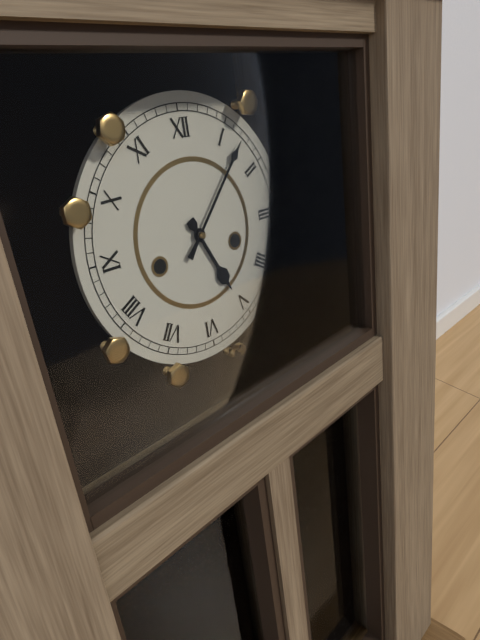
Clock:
5 h 07 min
